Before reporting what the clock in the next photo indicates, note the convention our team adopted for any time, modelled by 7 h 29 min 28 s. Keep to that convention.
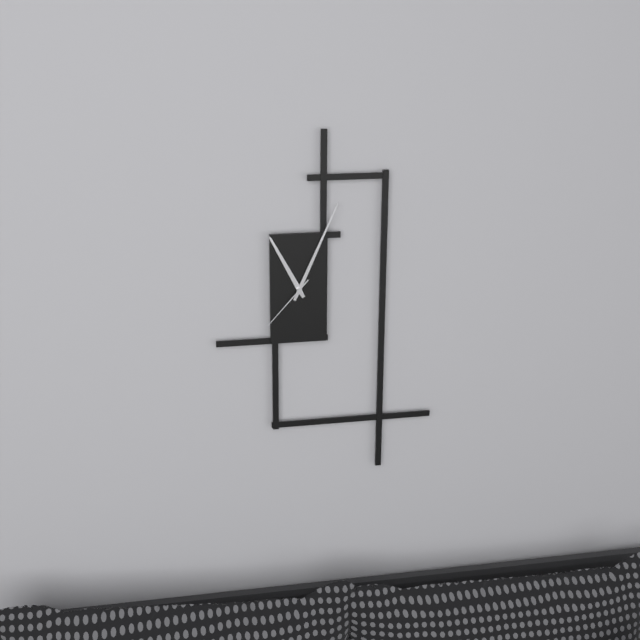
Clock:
11 h 04 min 37 s
